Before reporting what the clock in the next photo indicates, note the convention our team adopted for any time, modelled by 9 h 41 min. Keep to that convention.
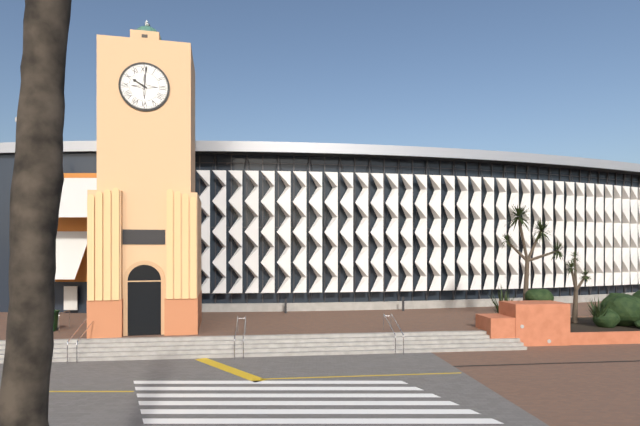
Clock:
10 h 01 min
